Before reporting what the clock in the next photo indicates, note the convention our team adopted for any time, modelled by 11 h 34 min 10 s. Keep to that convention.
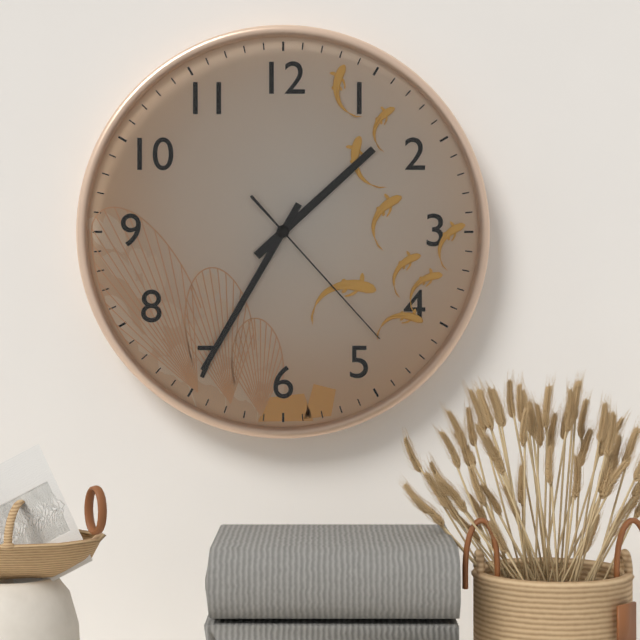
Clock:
1 h 35 min 23 s
